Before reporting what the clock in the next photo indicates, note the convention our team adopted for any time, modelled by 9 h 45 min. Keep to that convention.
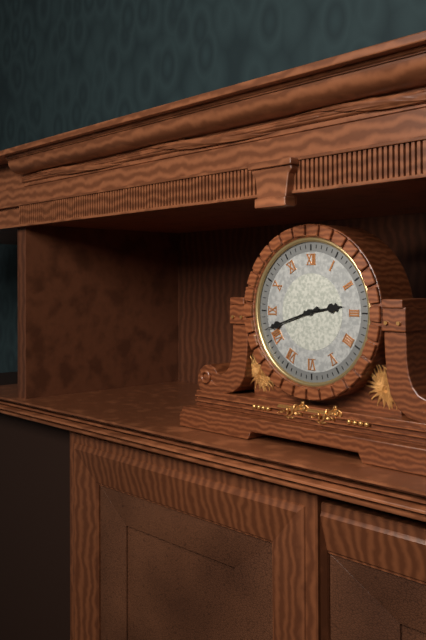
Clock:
2 h 42 min
